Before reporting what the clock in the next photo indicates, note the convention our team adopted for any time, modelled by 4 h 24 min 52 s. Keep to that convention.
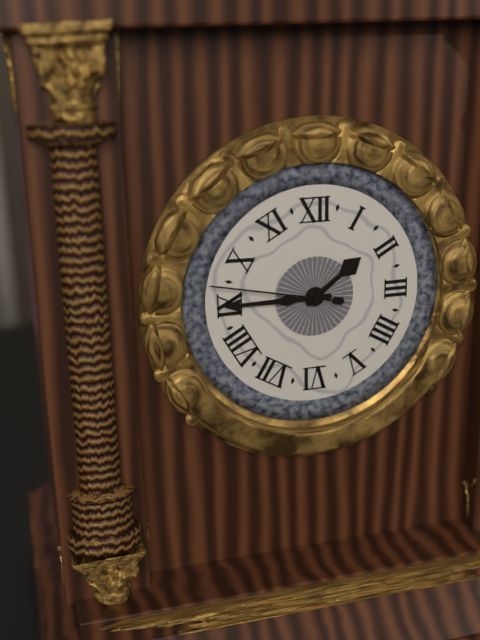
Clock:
1 h 45 min 47 s
